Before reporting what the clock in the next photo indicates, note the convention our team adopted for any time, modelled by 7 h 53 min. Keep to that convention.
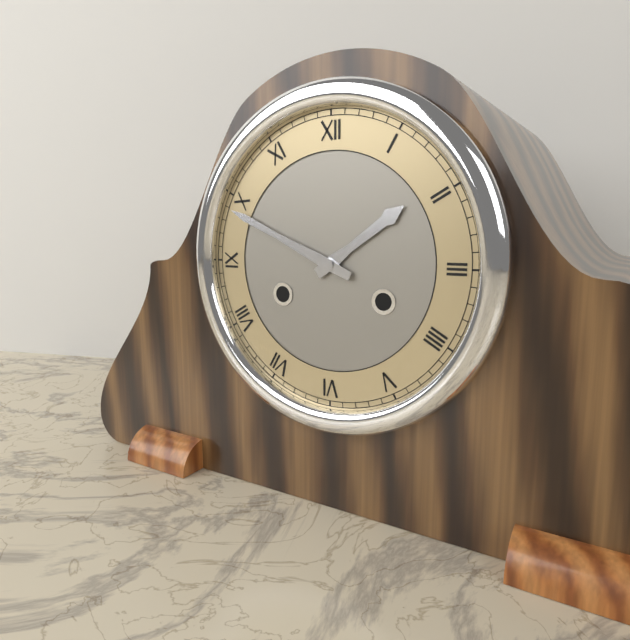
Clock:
1 h 49 min
